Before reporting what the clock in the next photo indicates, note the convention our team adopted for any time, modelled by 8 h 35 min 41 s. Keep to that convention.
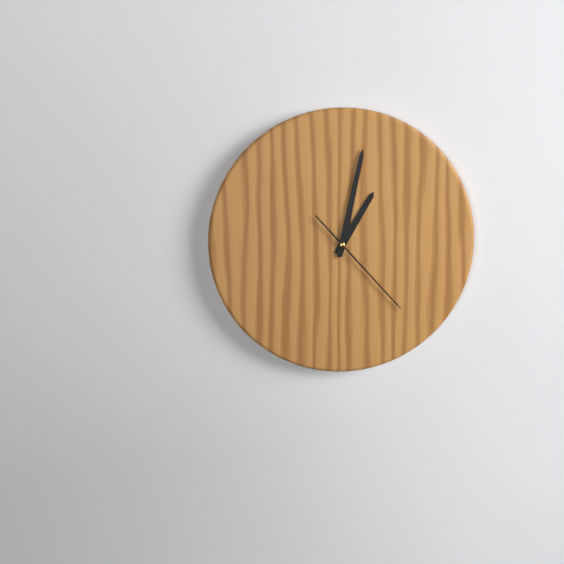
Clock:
1 h 02 min 23 s
